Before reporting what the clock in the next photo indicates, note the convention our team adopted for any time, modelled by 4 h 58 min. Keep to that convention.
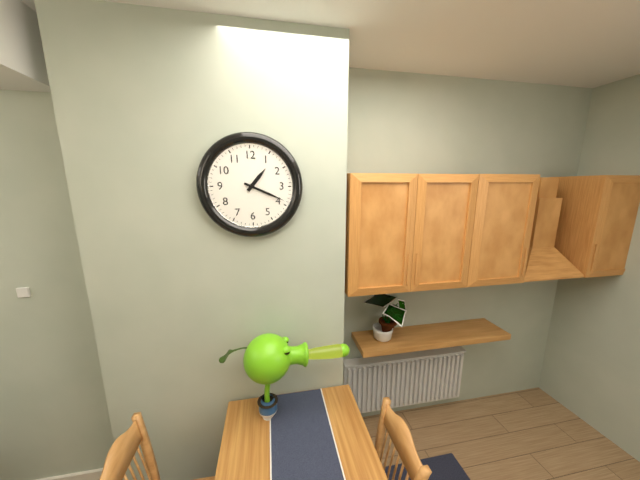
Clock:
1 h 19 min
